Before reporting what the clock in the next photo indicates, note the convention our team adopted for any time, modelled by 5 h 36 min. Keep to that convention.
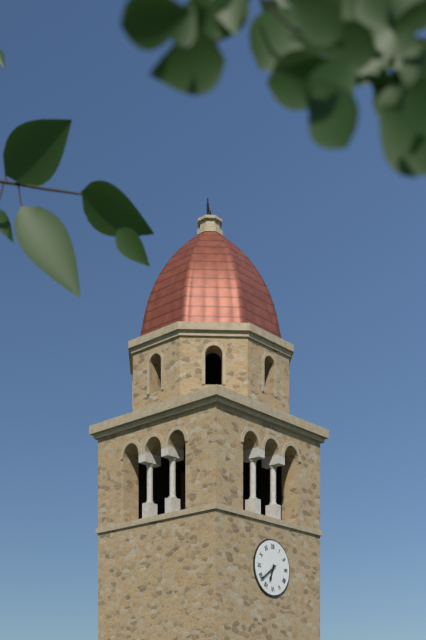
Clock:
6 h 39 min
